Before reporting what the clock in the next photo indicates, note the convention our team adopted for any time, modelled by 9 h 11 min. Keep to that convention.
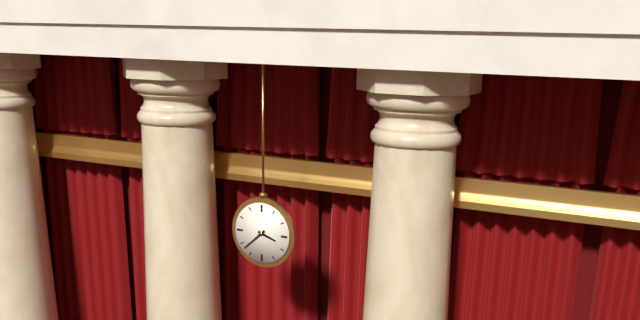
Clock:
3 h 38 min
